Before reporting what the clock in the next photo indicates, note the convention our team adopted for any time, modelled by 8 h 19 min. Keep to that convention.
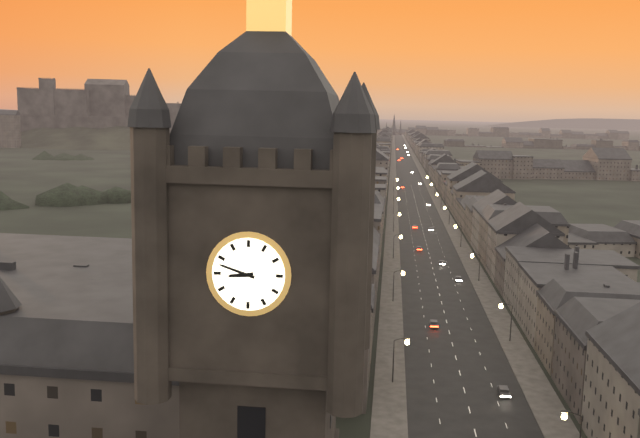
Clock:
8 h 48 min
